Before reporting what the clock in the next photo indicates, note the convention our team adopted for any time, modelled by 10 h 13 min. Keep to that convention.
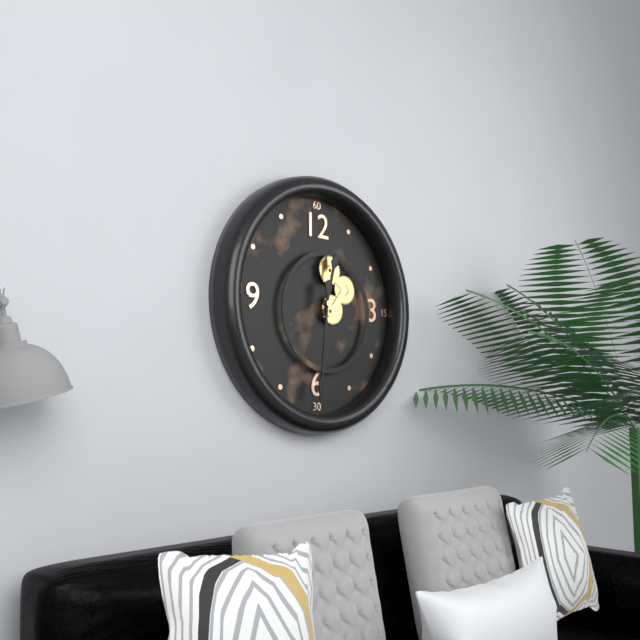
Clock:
12 h 31 min
